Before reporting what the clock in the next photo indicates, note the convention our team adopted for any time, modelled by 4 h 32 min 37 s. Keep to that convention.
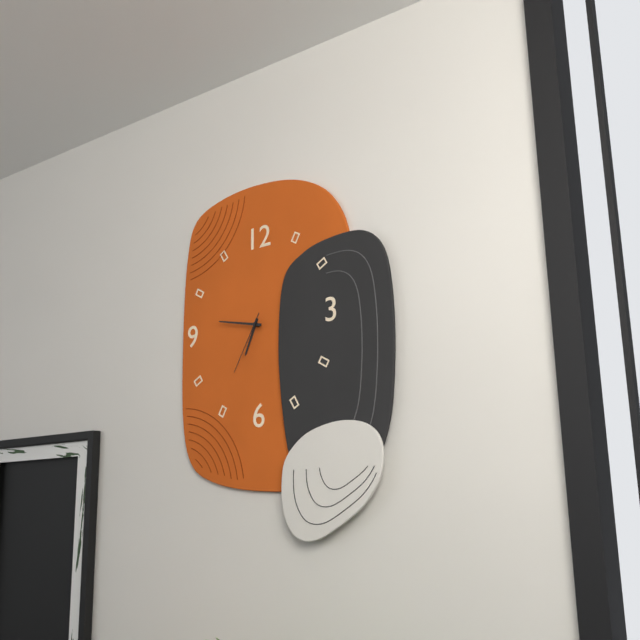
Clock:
6 h 47 min 35 s
